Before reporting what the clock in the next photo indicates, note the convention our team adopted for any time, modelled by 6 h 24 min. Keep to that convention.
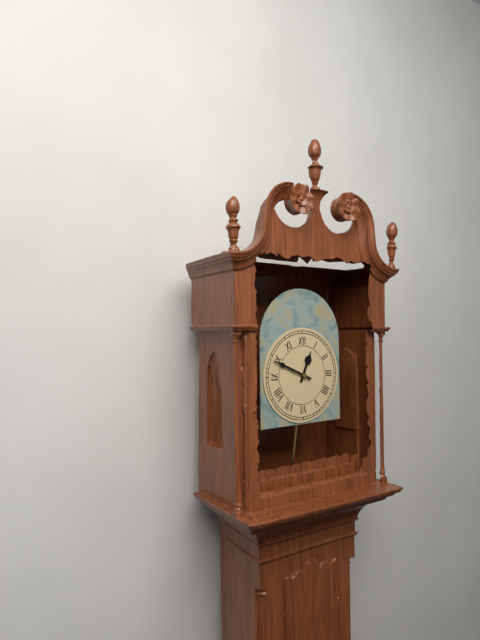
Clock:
12 h 49 min
